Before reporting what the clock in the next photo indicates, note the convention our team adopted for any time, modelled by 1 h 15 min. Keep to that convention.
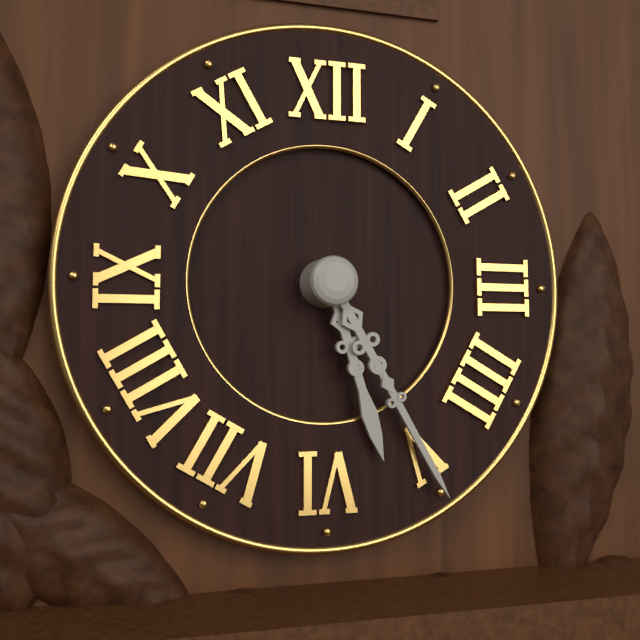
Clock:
5 h 25 min
